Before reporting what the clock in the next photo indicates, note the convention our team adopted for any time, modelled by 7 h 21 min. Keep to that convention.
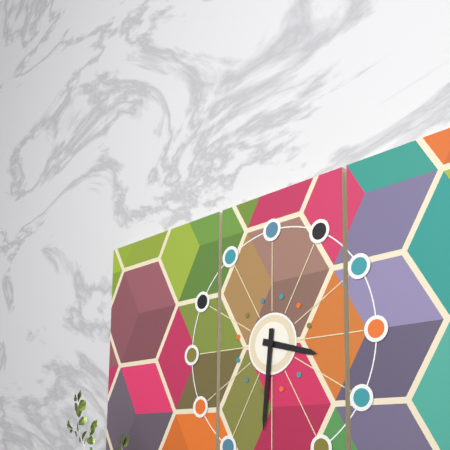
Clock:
3 h 31 min
